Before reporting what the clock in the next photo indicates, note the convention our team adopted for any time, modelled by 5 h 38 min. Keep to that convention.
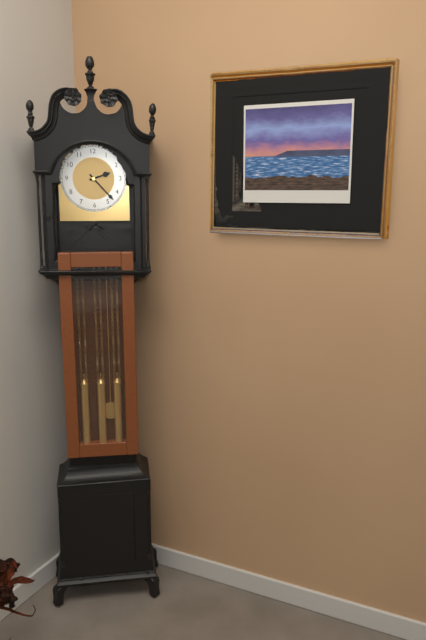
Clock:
2 h 23 min
